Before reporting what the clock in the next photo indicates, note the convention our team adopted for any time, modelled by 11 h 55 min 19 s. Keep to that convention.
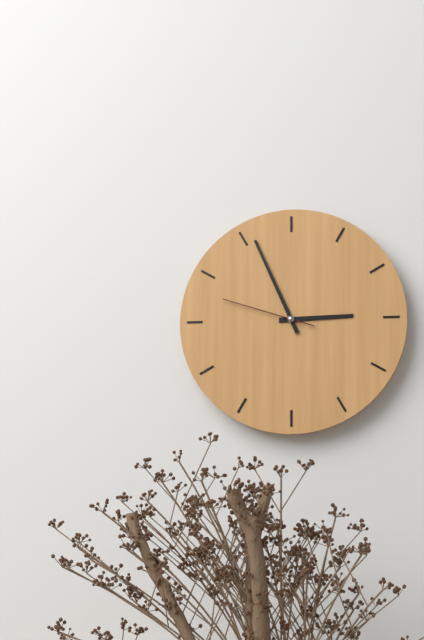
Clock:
2 h 56 min 48 s
